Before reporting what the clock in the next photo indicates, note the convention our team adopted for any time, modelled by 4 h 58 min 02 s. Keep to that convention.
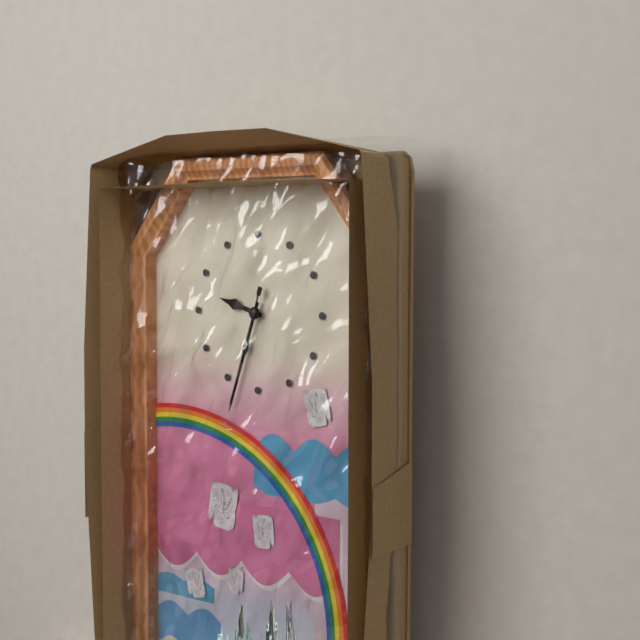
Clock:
9 h 33 min 33 s
